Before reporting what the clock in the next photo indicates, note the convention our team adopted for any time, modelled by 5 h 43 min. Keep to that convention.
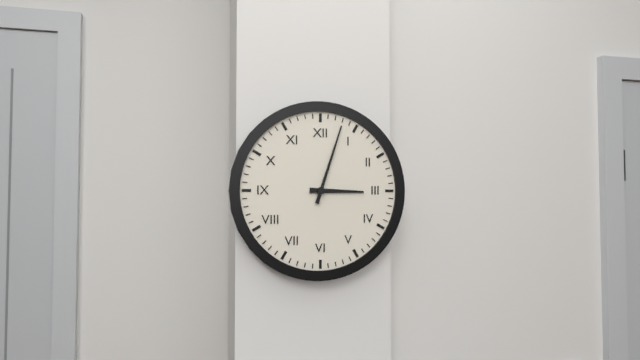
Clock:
3 h 03 min
